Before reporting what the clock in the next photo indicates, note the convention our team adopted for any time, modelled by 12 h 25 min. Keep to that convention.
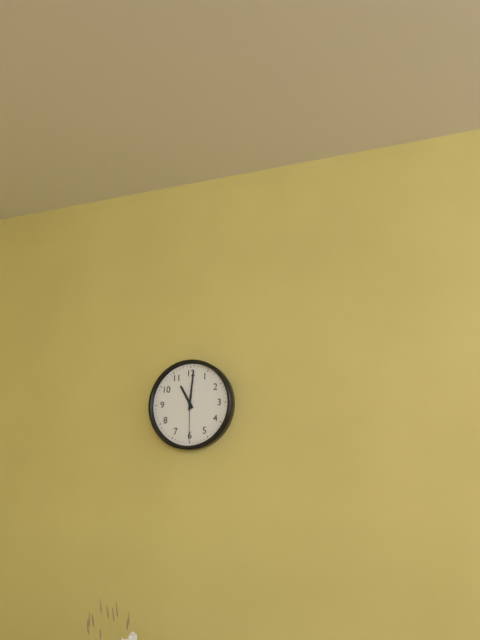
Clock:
11 h 01 min
